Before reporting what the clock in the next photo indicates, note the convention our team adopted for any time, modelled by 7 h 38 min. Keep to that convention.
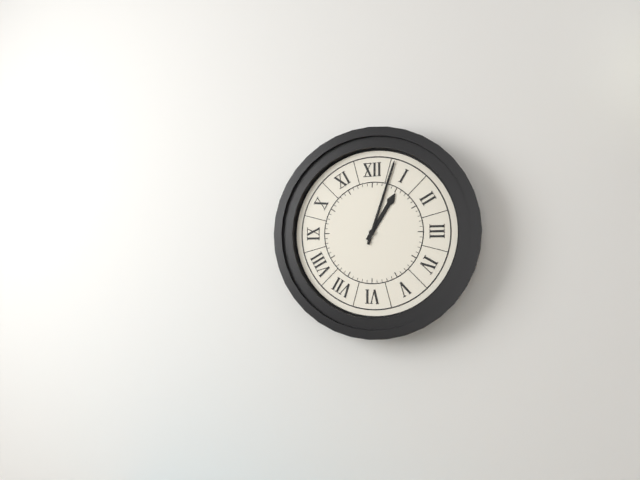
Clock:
1 h 03 min
